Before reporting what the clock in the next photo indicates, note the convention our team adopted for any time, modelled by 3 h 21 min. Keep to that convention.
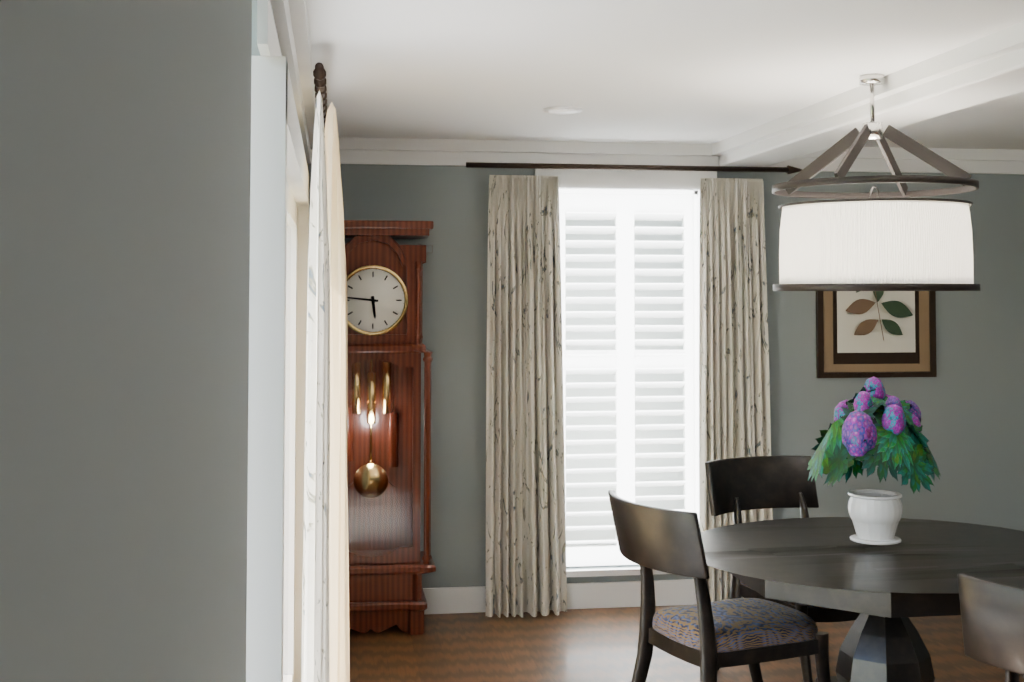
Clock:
5 h 46 min
